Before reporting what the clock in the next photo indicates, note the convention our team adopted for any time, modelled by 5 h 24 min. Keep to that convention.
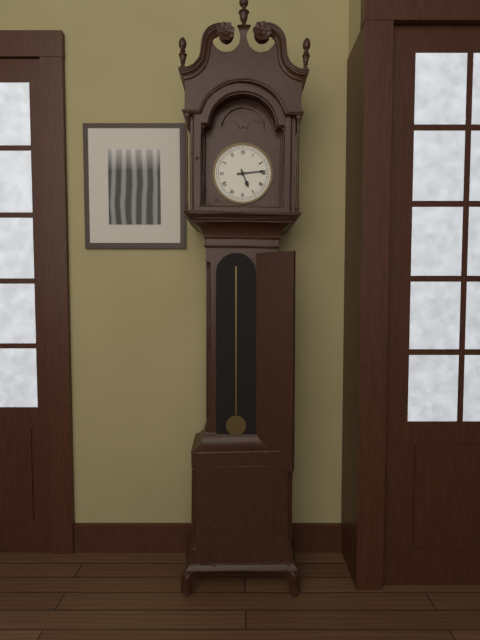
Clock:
5 h 14 min
